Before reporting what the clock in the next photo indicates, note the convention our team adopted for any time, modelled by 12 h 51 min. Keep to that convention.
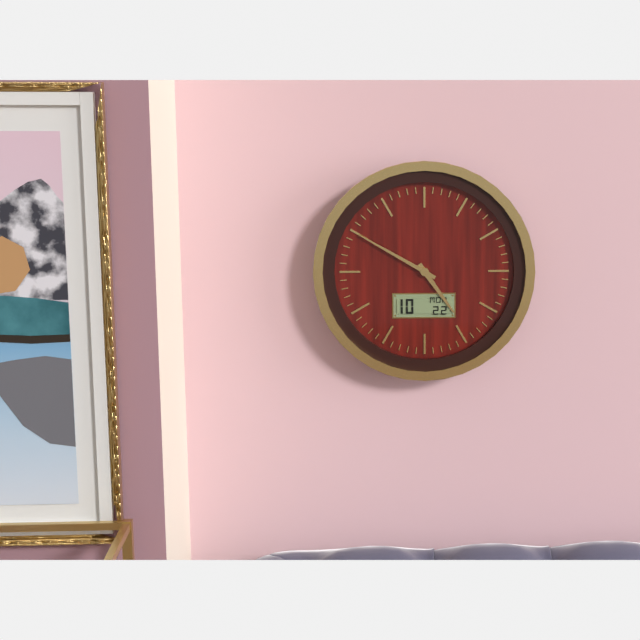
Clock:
4 h 50 min
